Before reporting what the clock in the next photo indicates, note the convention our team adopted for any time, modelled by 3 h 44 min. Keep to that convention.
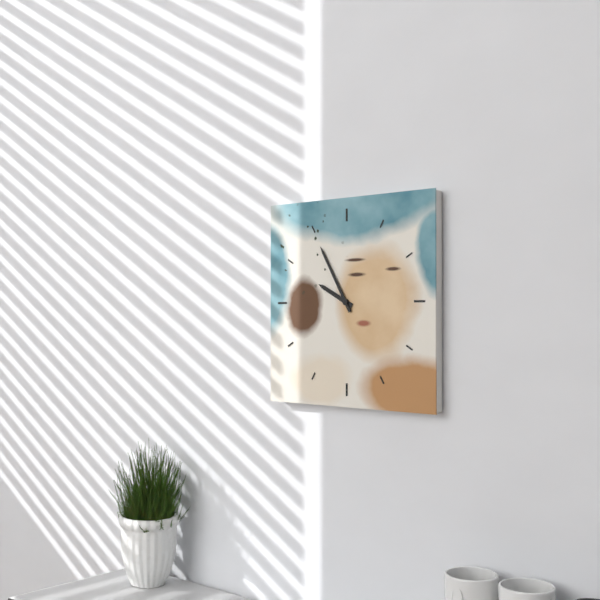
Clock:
9 h 55 min
